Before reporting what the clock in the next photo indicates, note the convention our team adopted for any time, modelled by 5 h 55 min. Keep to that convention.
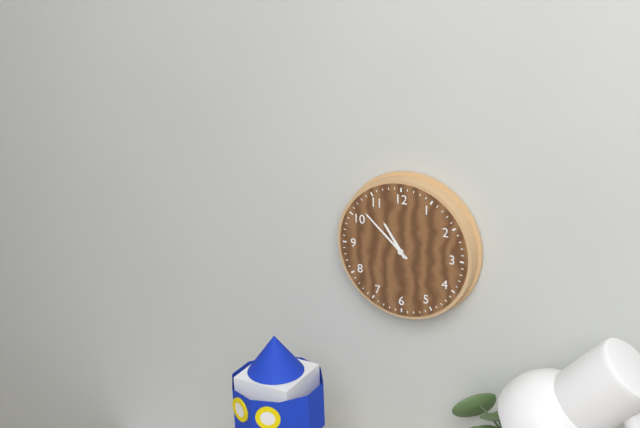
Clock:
10 h 52 min
